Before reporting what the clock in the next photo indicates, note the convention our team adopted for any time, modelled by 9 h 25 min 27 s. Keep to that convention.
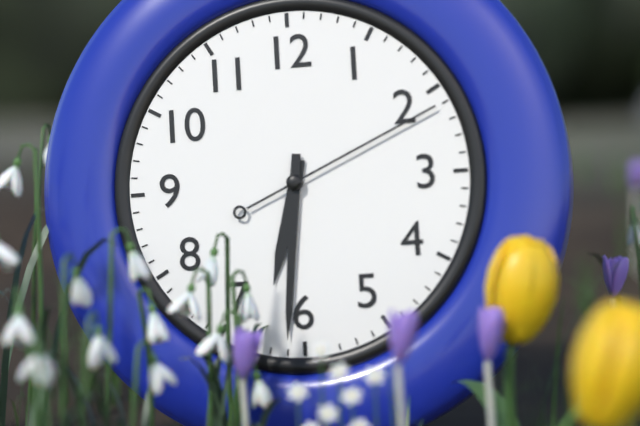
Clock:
6 h 31 min 11 s
